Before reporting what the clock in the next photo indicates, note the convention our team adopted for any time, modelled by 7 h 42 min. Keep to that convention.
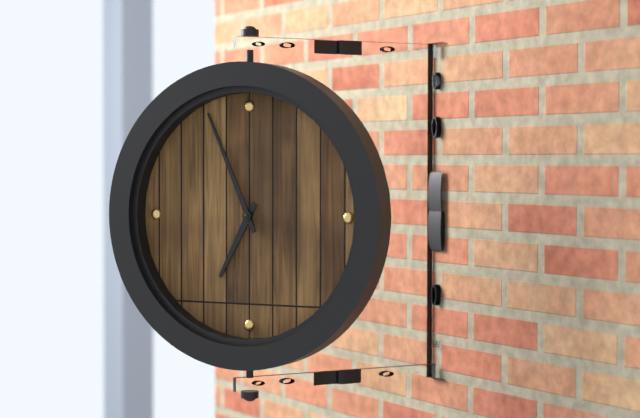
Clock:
6 h 56 min
